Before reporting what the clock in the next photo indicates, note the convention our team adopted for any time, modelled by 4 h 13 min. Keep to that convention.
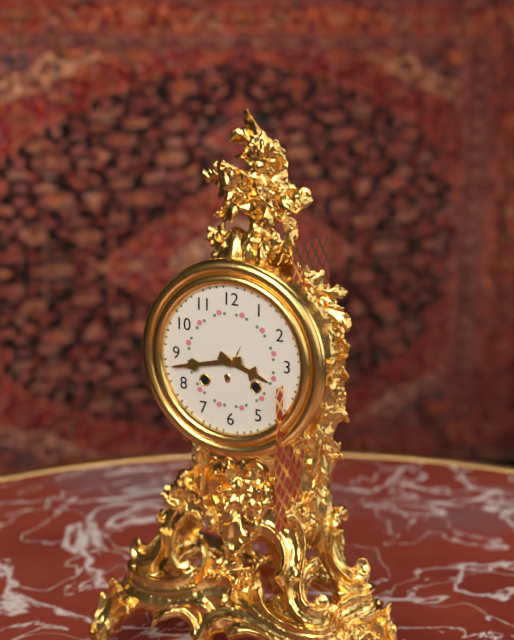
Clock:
3 h 43 min
